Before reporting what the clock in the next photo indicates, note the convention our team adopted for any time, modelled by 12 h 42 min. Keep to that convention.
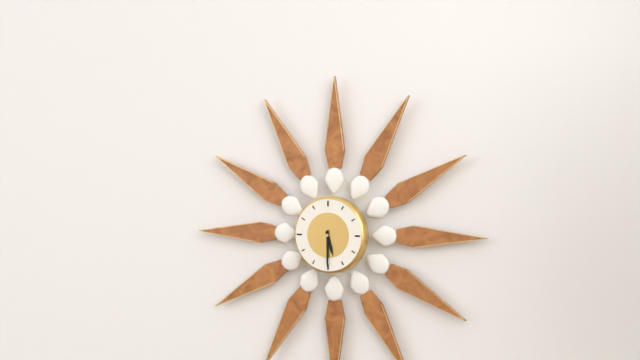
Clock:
5 h 30 min
